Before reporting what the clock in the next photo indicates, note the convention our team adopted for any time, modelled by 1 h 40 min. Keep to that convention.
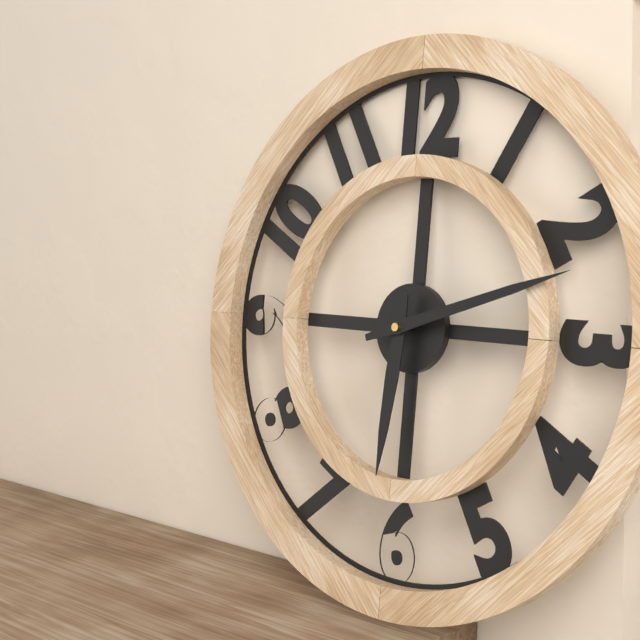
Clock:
6 h 12 min
